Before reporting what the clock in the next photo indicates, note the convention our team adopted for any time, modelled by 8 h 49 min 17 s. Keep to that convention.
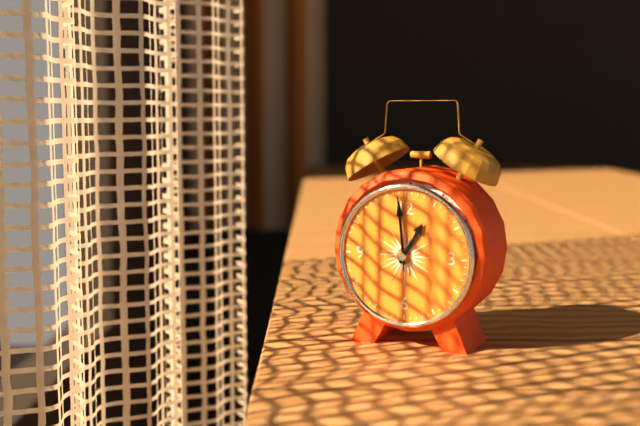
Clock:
12 h 59 min 59 s
